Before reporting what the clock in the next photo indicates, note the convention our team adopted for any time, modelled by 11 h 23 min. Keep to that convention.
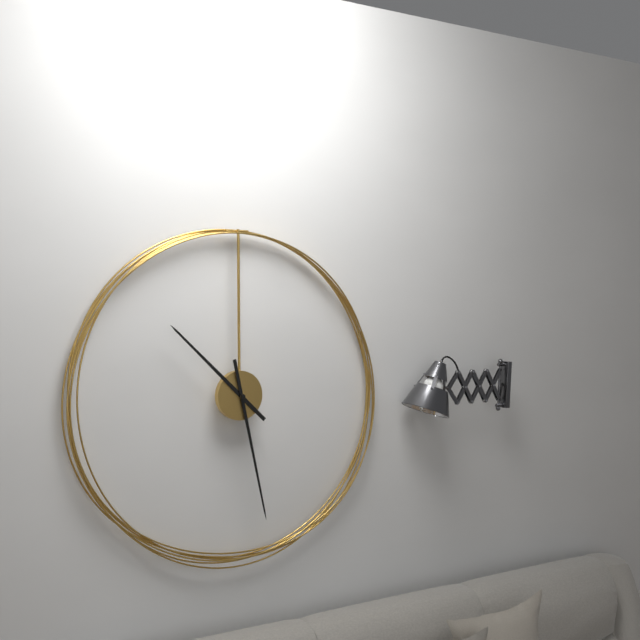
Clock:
10 h 28 min
